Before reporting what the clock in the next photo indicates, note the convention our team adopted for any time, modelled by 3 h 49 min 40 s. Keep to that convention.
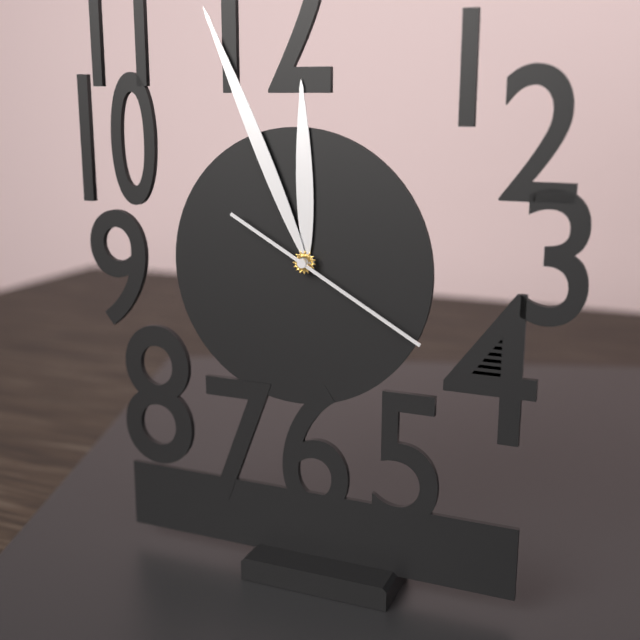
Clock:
11 h 56 min 20 s
